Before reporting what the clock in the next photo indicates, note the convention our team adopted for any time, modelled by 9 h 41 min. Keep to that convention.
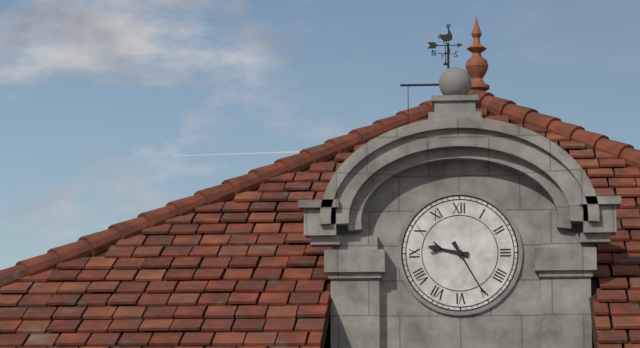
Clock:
9 h 25 min
